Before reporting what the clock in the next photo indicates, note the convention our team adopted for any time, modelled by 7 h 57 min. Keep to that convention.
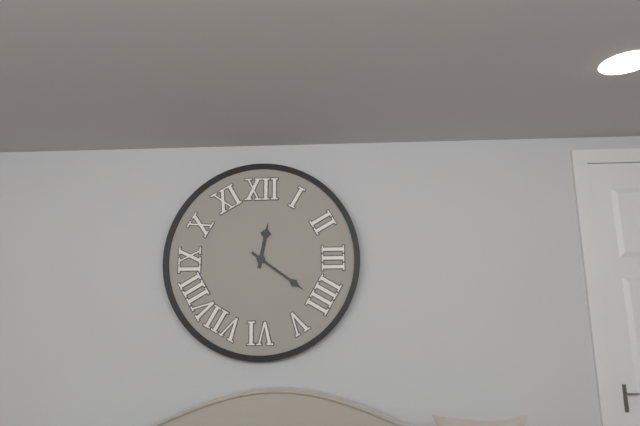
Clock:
12 h 21 min
